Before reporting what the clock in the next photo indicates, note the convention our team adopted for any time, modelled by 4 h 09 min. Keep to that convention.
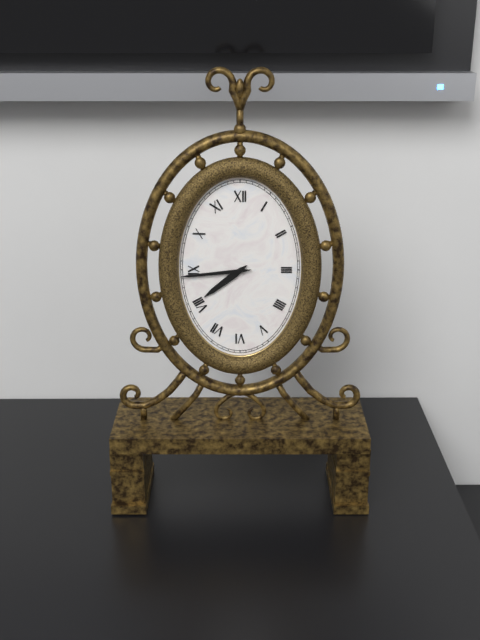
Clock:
7 h 44 min
